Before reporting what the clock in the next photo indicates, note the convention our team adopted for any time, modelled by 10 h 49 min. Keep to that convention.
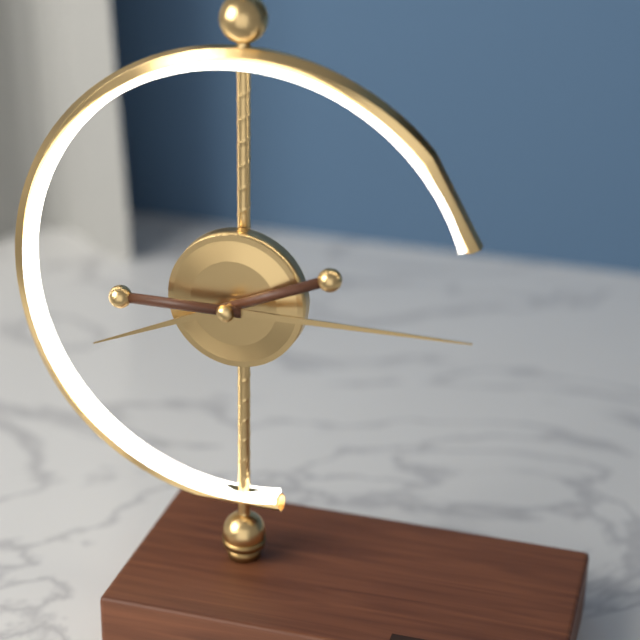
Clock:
8 h 15 min
